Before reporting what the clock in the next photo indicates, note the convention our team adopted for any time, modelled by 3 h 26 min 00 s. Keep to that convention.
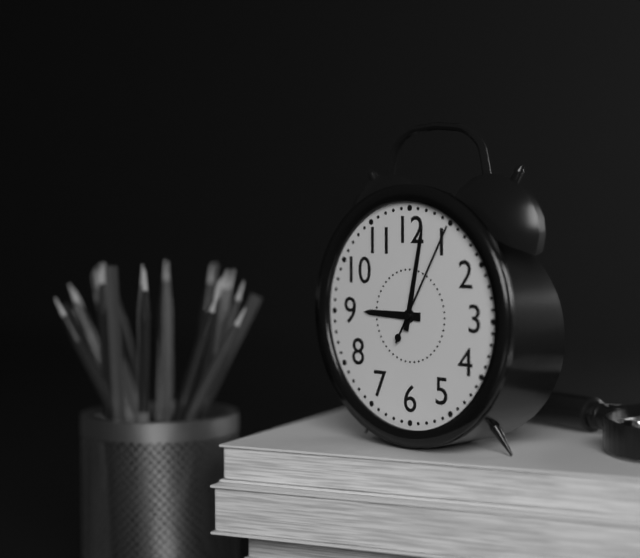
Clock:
9 h 02 min 05 s
